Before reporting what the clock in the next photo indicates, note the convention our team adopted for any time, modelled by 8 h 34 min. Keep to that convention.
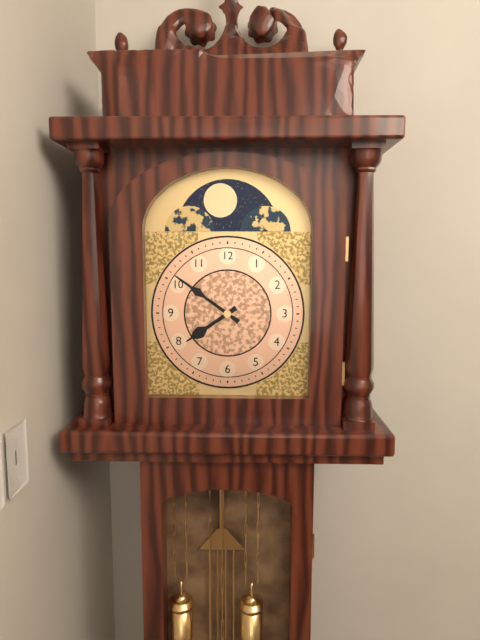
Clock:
7 h 51 min
